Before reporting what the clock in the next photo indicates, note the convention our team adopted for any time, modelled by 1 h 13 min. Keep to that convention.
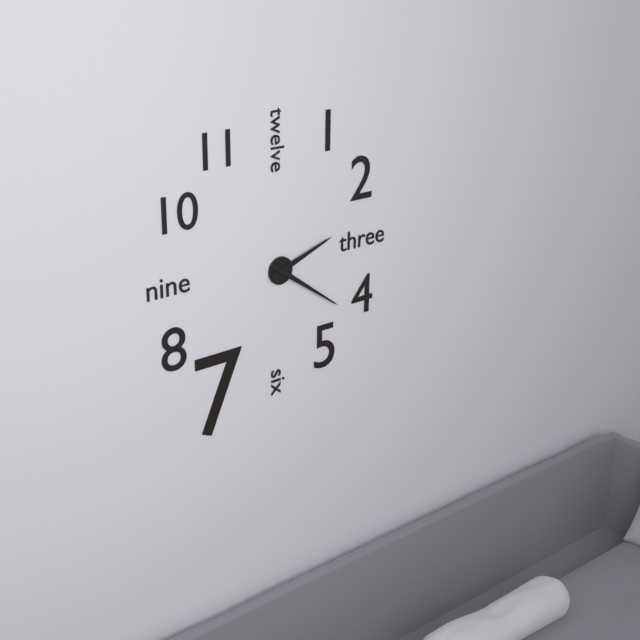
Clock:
2 h 21 min
